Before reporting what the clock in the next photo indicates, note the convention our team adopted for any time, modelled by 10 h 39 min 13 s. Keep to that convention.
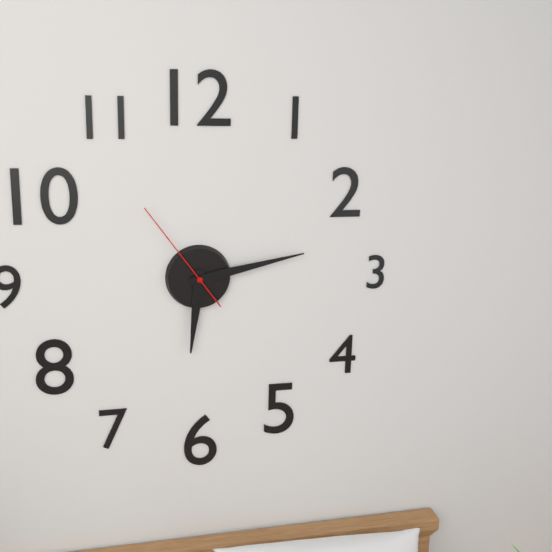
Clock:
6 h 13 min 54 s
